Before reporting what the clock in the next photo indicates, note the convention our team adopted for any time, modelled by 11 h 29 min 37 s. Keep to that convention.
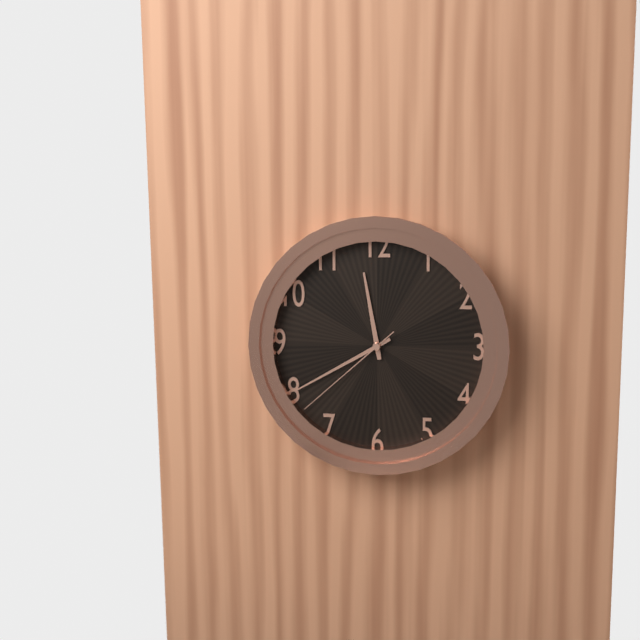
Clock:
11 h 40 min 38 s
